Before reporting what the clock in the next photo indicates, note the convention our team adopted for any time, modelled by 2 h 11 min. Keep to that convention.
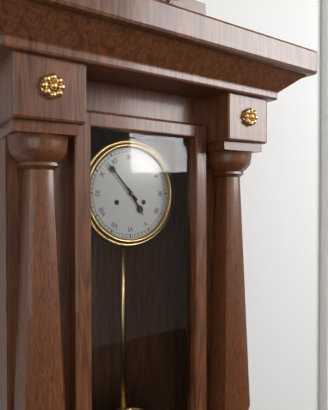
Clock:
4 h 53 min
